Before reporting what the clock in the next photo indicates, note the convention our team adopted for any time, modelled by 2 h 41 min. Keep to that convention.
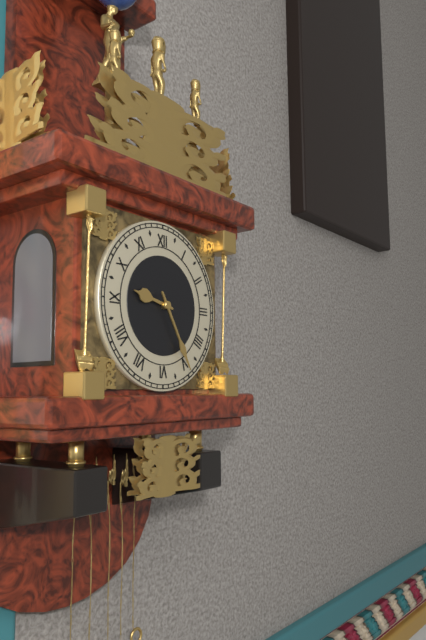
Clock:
9 h 25 min
